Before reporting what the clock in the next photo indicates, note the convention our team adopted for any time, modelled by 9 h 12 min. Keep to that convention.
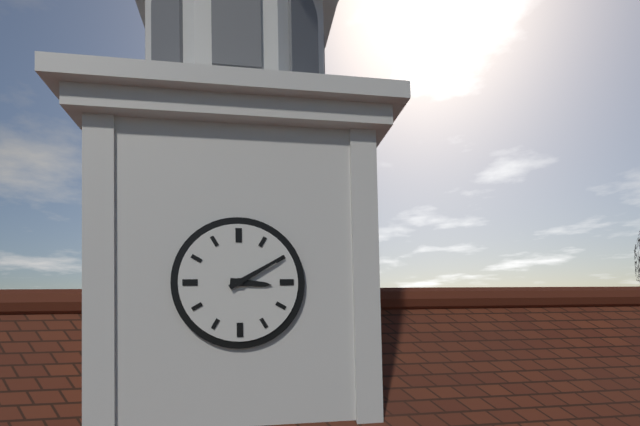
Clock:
3 h 10 min
